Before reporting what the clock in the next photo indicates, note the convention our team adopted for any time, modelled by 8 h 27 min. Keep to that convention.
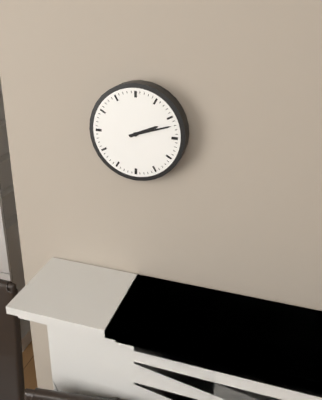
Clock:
2 h 12 min
